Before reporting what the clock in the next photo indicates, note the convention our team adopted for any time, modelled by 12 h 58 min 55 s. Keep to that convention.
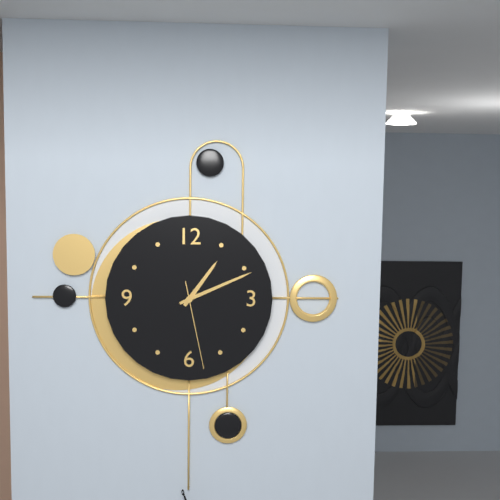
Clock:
1 h 11 min 28 s
